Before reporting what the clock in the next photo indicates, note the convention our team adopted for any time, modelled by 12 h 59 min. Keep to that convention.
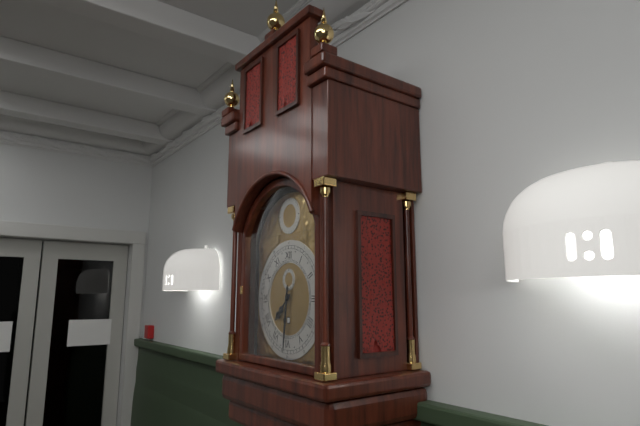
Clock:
7 h 31 min
